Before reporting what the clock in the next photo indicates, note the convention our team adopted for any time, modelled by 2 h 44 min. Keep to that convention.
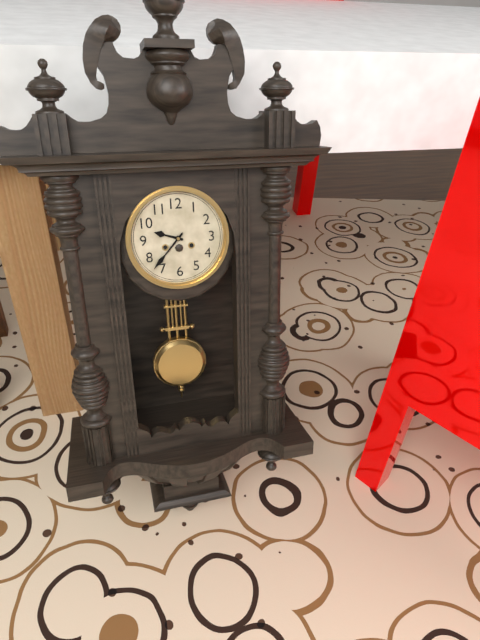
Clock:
9 h 37 min
